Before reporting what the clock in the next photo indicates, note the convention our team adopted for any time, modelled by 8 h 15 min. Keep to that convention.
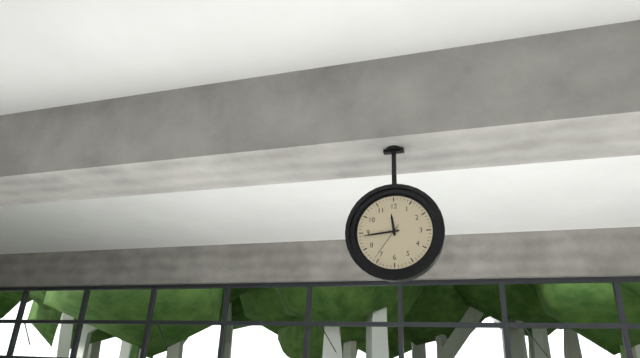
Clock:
11 h 44 min
